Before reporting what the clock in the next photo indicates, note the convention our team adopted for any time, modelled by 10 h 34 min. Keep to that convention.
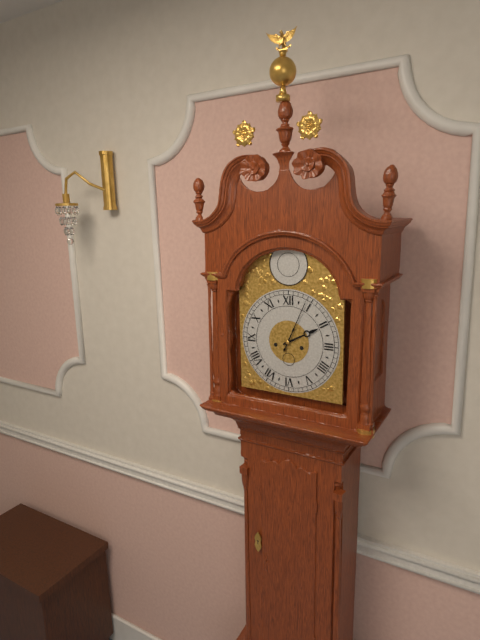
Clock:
2 h 04 min
